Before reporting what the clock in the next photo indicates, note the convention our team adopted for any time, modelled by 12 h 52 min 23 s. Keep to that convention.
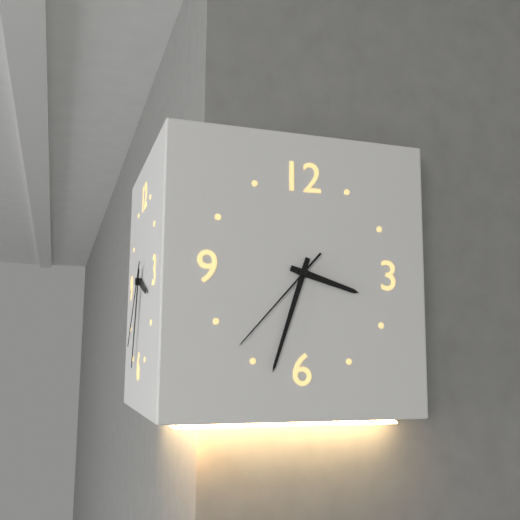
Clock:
3 h 33 min 37 s
